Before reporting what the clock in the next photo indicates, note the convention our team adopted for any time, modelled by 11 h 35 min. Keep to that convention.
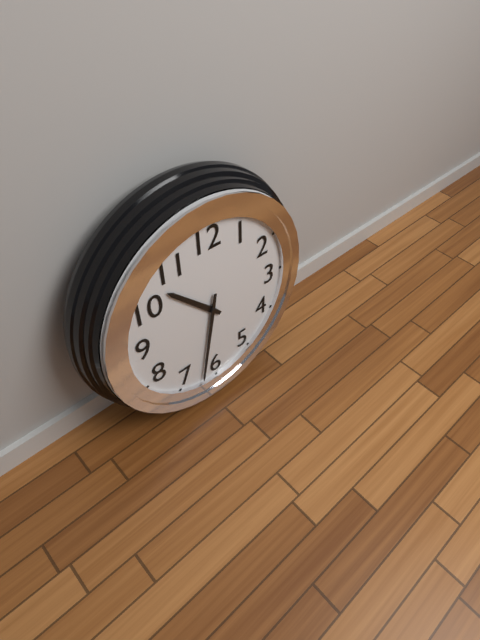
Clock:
10 h 32 min
